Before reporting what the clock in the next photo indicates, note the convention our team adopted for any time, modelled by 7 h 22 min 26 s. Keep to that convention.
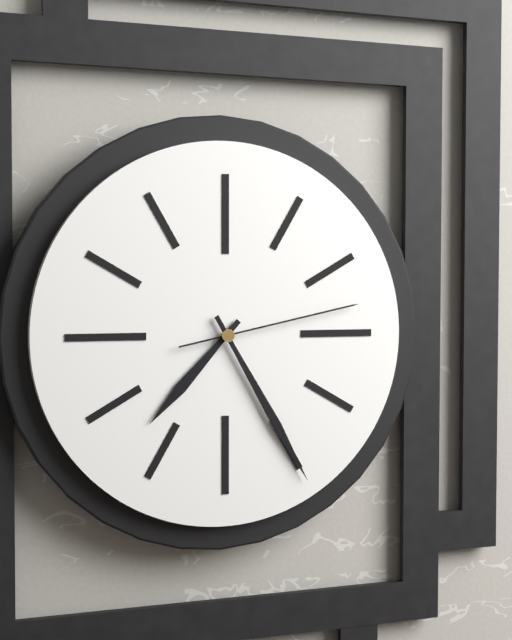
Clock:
7 h 25 min 13 s
